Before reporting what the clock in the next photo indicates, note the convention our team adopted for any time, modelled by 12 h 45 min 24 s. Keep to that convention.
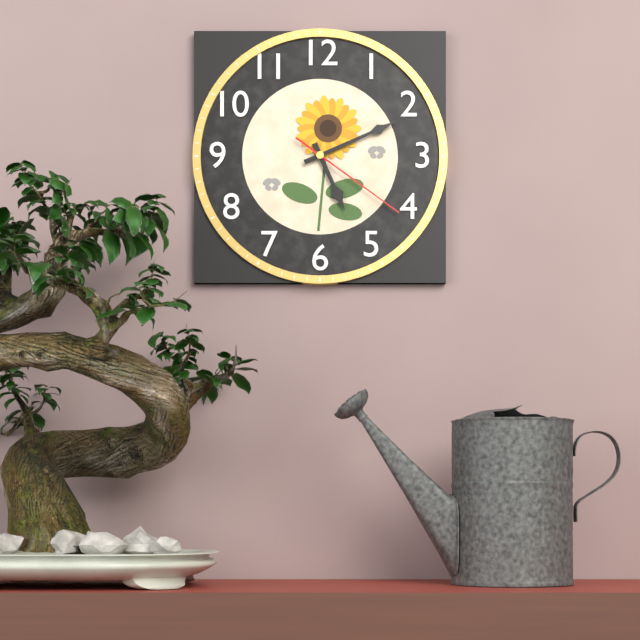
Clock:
5 h 11 min 21 s
